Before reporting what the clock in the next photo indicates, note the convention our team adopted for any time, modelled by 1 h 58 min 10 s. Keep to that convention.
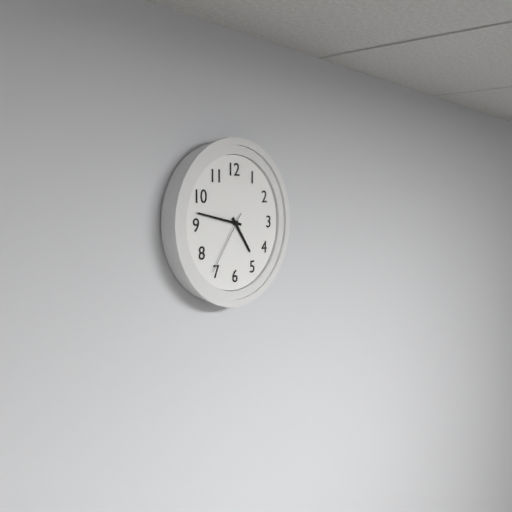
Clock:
4 h 47 min 36 s
